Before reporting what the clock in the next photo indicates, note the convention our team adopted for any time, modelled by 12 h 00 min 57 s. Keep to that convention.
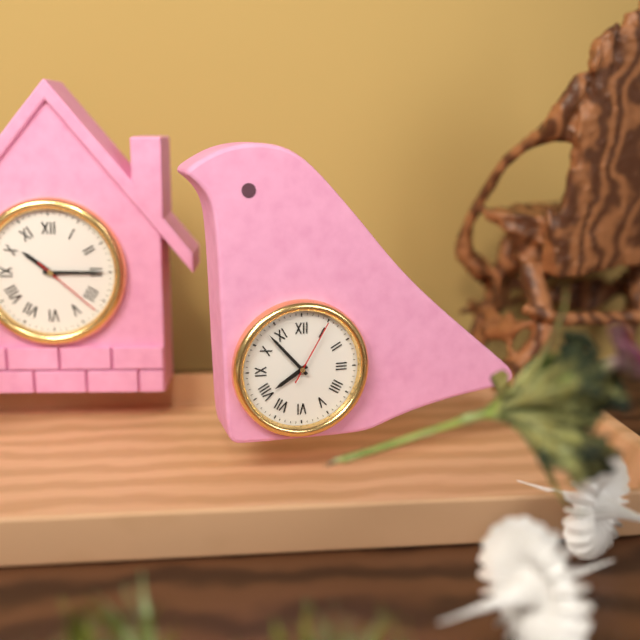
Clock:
7 h 53 min 05 s
